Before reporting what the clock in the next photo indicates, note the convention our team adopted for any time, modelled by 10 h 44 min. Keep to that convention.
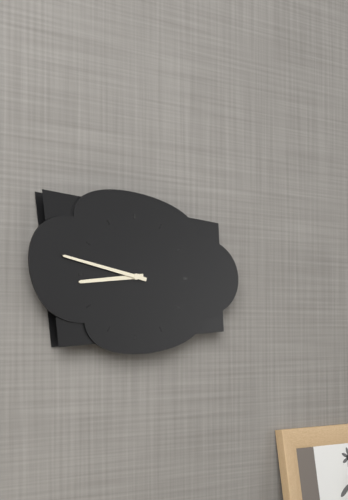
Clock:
8 h 47 min
